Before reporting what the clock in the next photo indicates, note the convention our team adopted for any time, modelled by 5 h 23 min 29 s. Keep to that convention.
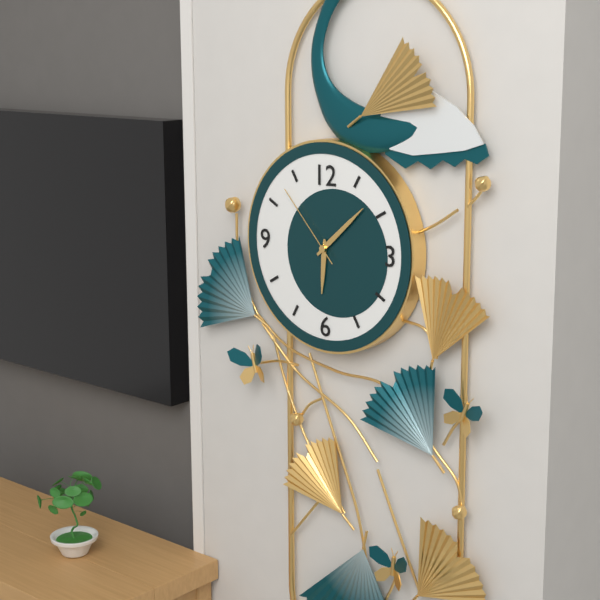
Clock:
6 h 08 min 53 s
